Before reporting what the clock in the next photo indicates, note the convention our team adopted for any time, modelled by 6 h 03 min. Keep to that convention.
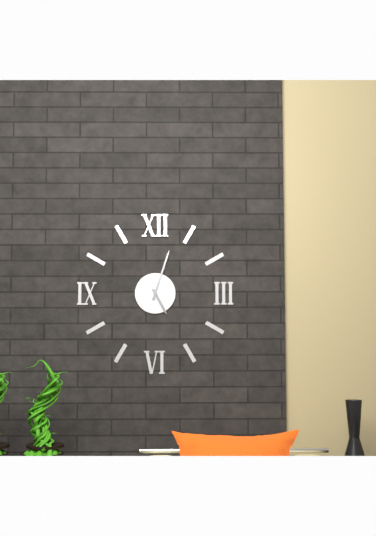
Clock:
5 h 03 min
